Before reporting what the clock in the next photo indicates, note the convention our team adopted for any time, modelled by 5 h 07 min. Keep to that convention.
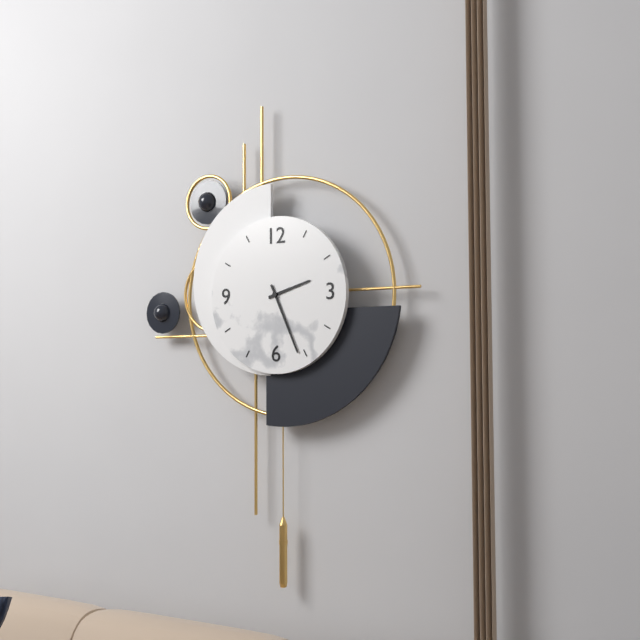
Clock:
2 h 26 min
